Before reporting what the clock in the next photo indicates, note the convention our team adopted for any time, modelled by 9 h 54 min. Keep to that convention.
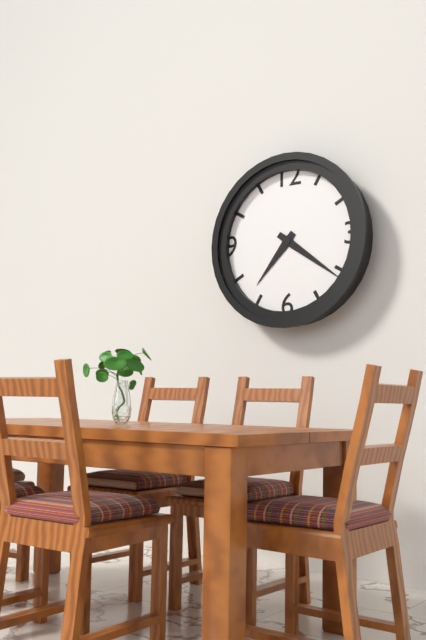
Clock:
7 h 21 min
